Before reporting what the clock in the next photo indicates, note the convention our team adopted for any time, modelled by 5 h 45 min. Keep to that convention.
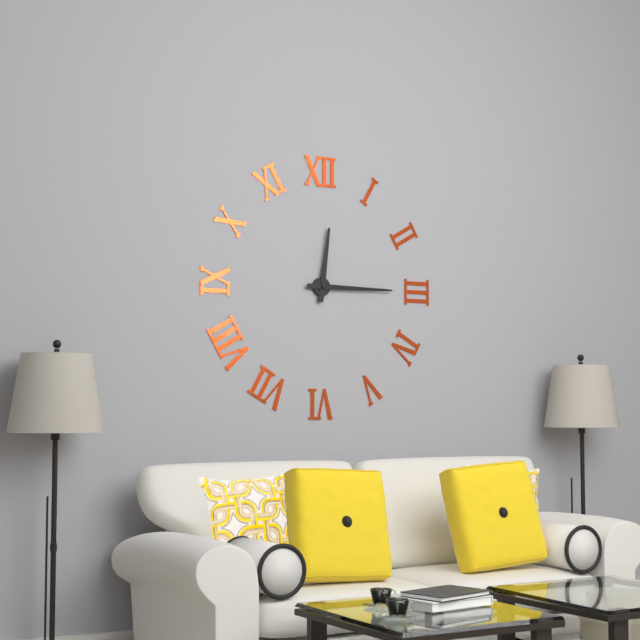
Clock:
12 h 15 min
